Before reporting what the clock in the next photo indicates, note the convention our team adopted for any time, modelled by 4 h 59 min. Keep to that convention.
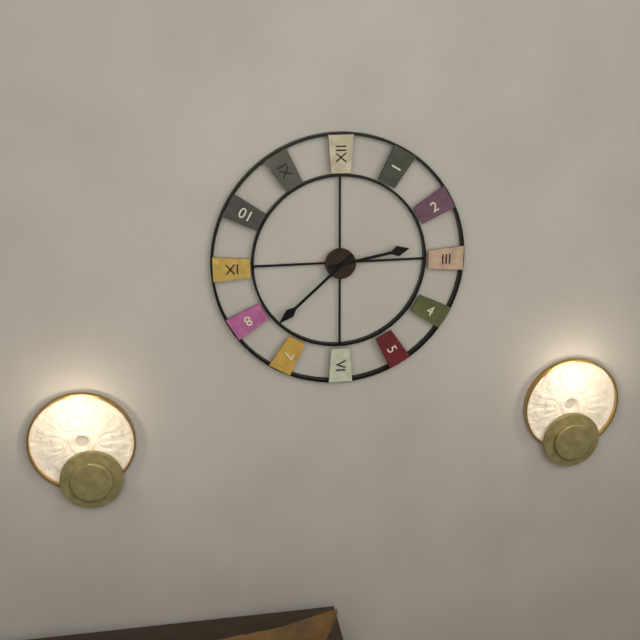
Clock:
2 h 38 min
